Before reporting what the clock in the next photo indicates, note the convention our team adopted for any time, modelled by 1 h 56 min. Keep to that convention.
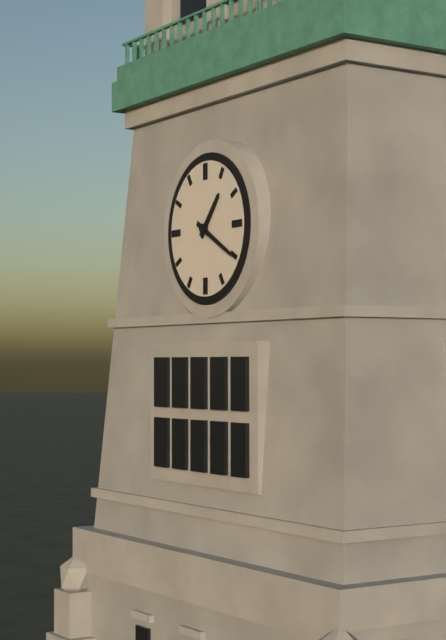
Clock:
1 h 20 min
